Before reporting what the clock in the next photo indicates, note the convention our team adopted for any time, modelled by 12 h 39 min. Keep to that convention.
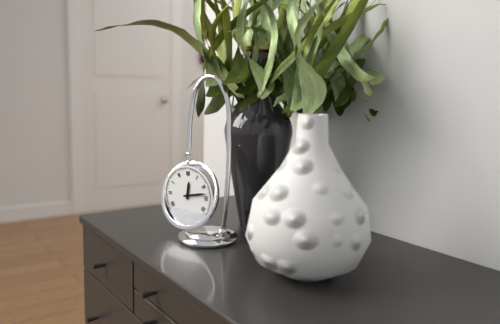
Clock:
12 h 13 min
